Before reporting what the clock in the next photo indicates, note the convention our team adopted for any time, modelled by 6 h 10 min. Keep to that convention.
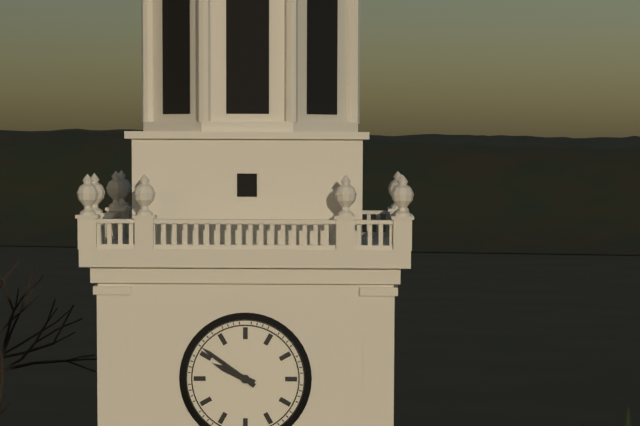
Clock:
9 h 51 min
